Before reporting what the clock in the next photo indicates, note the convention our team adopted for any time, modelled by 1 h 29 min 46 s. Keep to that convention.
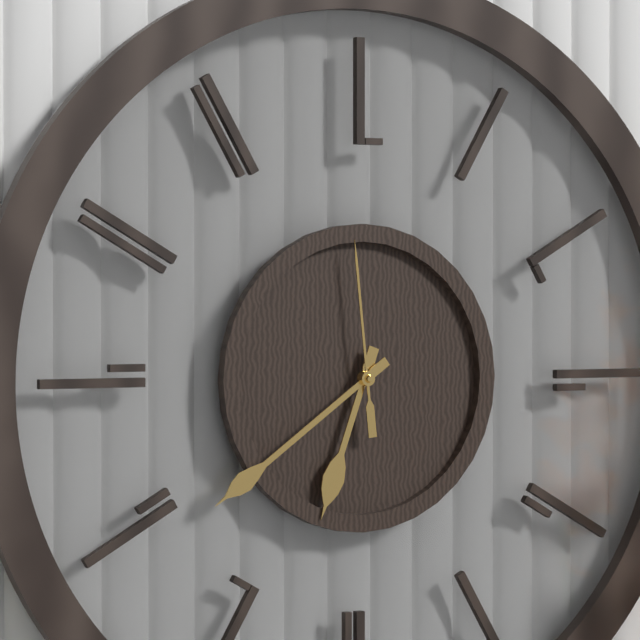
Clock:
6 h 39 min 59 s
